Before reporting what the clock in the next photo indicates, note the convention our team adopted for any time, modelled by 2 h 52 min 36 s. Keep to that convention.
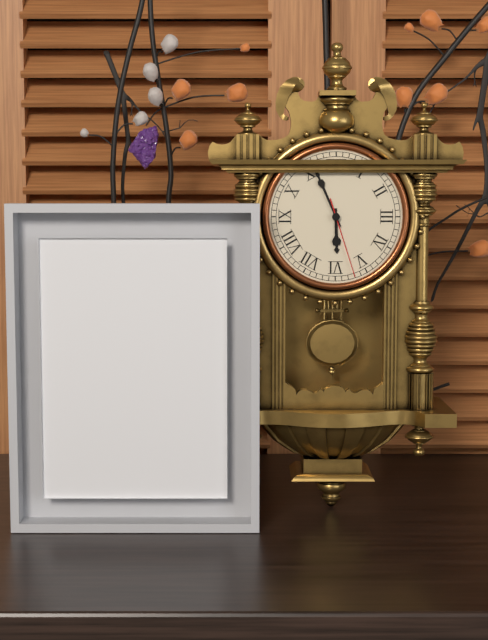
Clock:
5 h 56 min 27 s
